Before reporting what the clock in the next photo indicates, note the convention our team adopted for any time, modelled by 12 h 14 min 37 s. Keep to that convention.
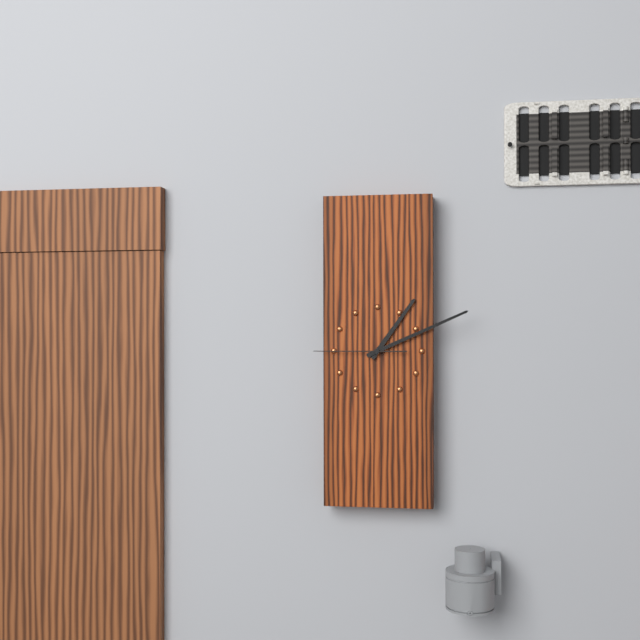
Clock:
1 h 11 min 45 s
